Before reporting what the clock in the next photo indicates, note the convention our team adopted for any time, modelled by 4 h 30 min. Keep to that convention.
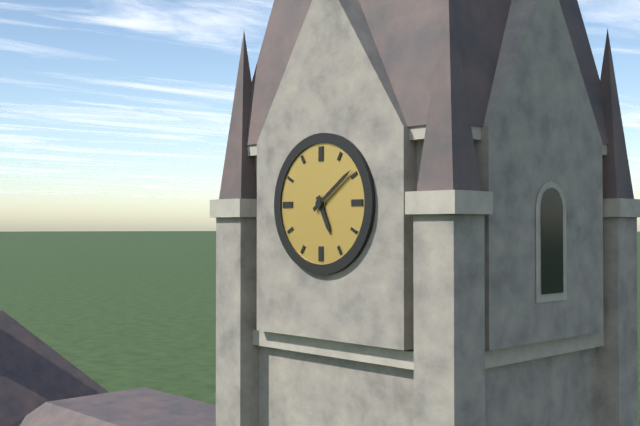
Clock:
5 h 09 min
